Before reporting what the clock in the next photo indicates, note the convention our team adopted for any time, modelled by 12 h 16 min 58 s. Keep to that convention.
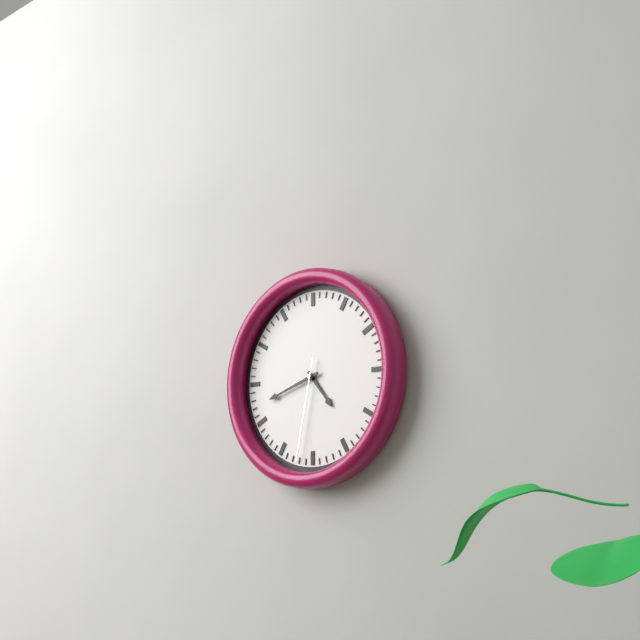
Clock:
4 h 42 min 32 s
